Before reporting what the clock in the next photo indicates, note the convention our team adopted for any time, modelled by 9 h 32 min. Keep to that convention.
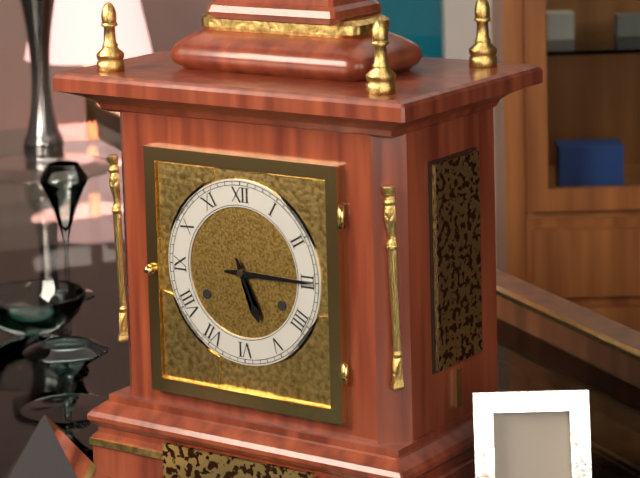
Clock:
5 h 15 min
